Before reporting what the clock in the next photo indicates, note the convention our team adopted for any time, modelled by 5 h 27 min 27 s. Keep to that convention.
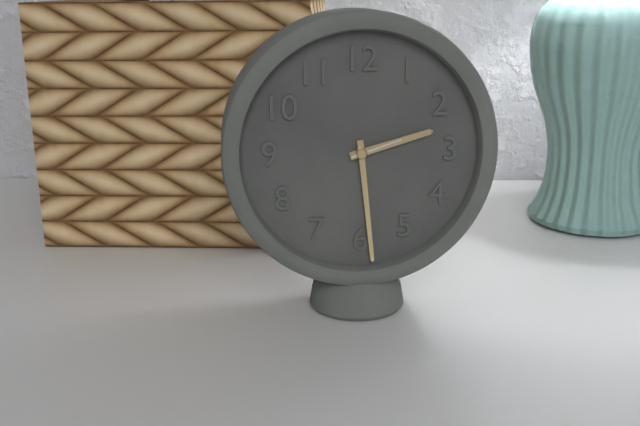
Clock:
2 h 29 min 12 s
